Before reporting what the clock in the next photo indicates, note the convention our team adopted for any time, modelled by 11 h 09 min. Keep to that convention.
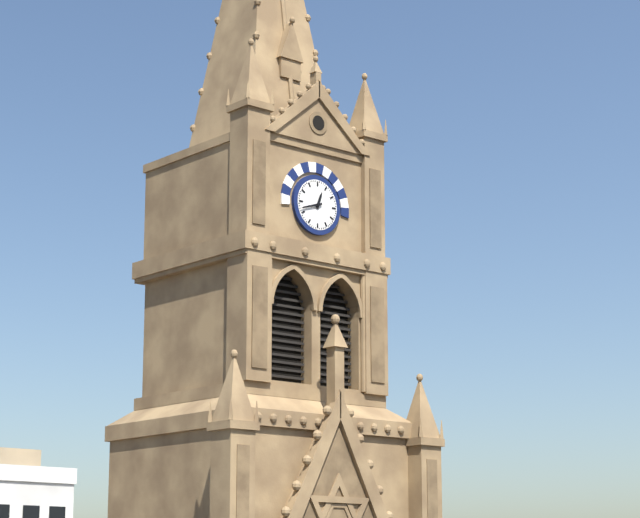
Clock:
12 h 42 min
